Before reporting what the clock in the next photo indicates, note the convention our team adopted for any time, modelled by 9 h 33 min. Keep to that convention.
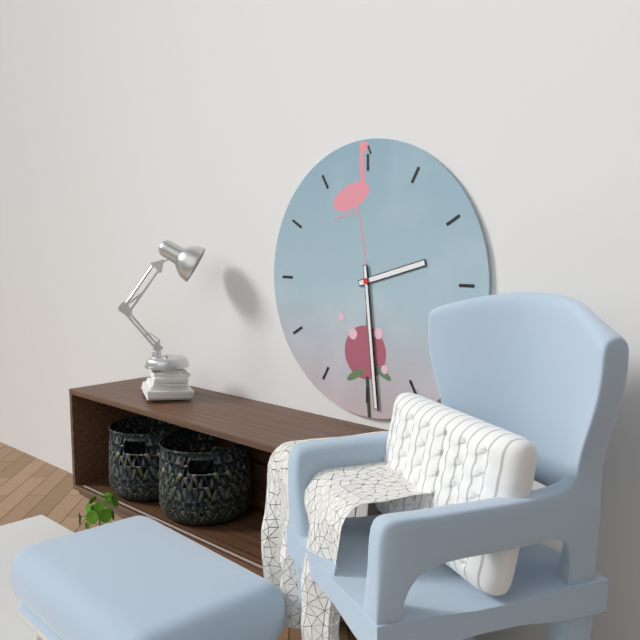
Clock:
2 h 29 min
